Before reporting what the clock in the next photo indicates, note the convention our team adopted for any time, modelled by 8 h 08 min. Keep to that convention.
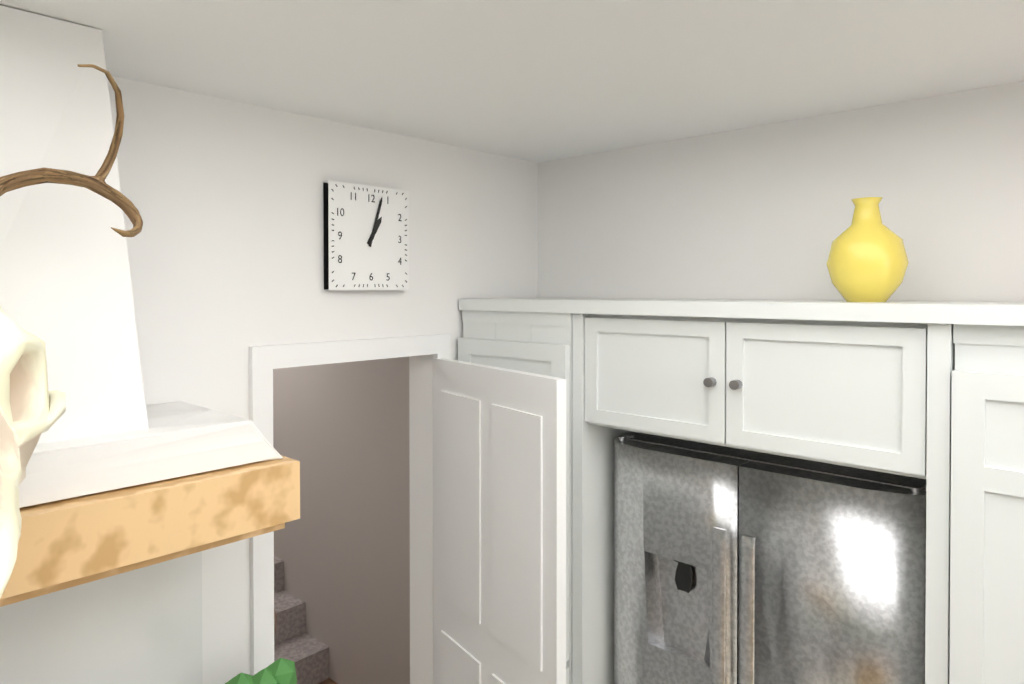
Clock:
1 h 03 min
